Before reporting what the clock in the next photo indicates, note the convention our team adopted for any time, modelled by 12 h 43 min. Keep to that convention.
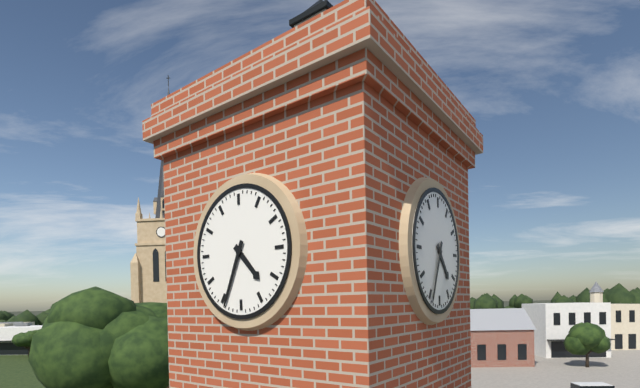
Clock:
4 h 34 min
